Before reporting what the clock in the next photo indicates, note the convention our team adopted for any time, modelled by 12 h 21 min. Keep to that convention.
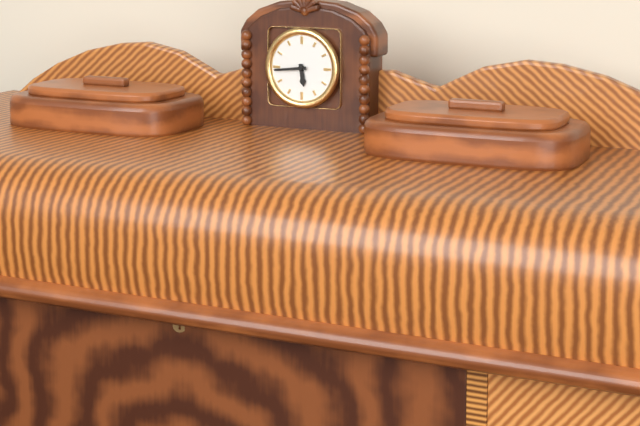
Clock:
5 h 44 min
